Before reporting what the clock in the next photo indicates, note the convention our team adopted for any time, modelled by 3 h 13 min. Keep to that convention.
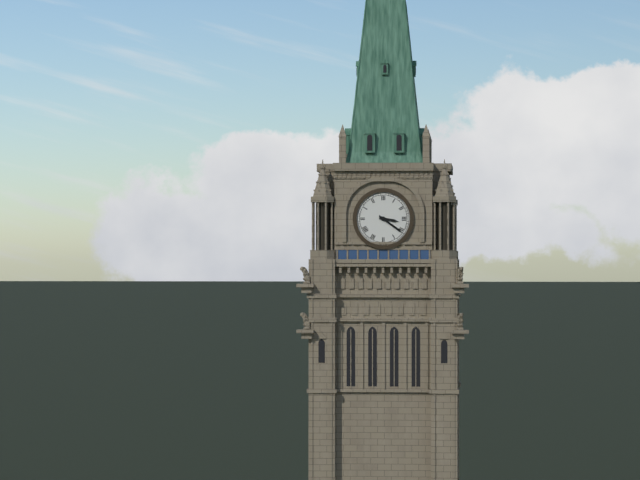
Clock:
3 h 21 min
